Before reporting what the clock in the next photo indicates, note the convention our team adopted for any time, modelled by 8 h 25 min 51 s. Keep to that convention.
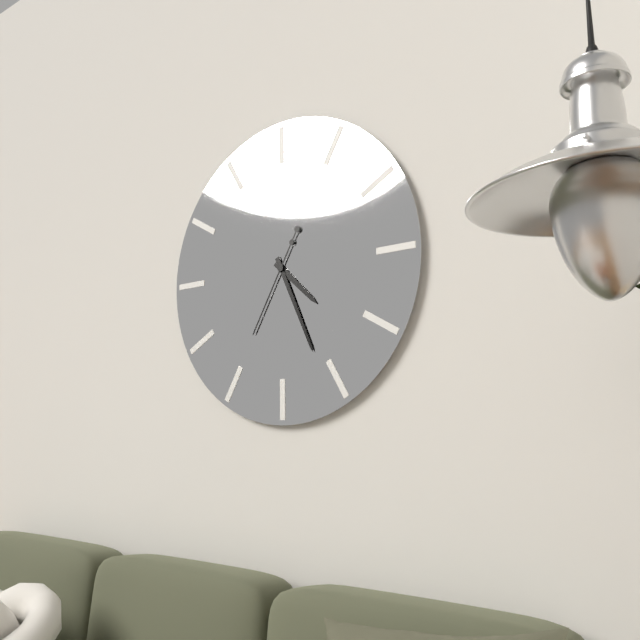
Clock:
4 h 26 min 35 s
